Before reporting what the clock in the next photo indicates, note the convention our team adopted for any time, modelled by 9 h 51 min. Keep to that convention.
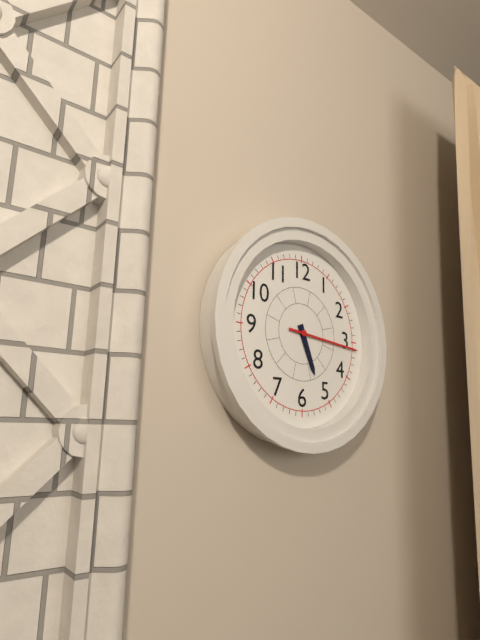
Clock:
5 h 16 min
